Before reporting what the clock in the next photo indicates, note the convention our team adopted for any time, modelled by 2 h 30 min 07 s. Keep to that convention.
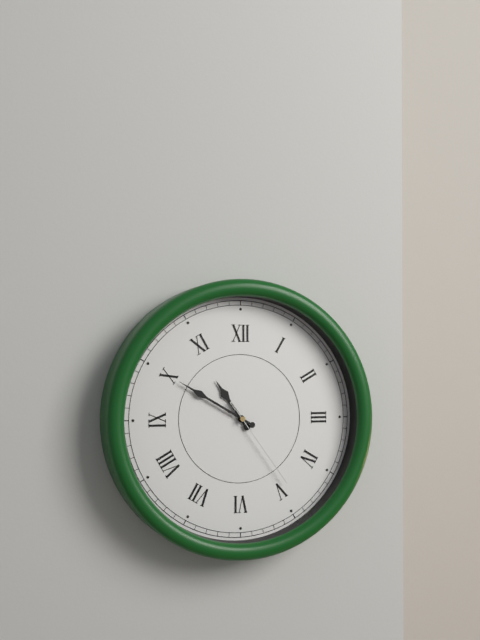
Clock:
10 h 50 min 24 s
